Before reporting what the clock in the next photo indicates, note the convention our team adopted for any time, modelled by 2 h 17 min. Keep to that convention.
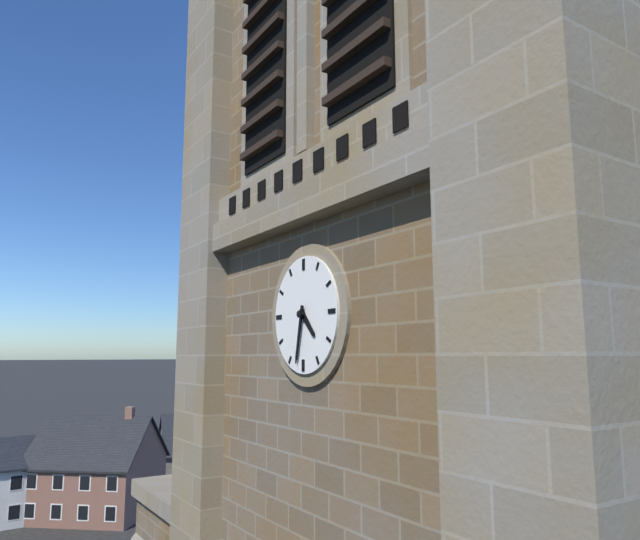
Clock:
4 h 32 min
